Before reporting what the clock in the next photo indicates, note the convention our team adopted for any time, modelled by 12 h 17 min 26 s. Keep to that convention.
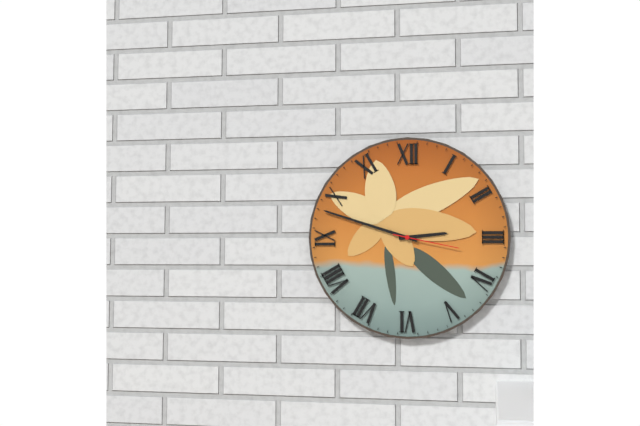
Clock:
2 h 48 min 17 s
